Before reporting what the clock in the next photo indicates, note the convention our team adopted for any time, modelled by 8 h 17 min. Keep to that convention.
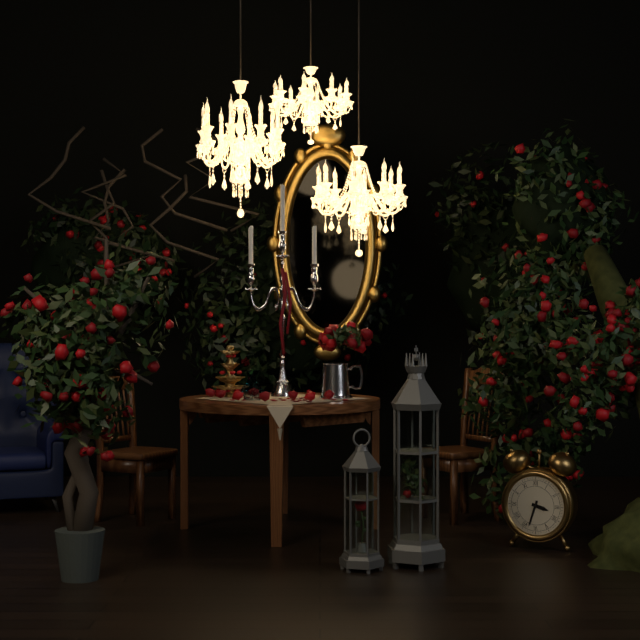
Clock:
3 h 33 min
